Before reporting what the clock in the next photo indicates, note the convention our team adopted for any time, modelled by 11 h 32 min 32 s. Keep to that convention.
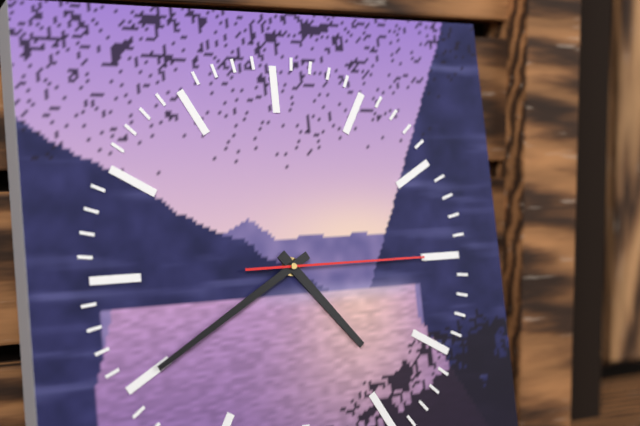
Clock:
4 h 40 min 15 s
